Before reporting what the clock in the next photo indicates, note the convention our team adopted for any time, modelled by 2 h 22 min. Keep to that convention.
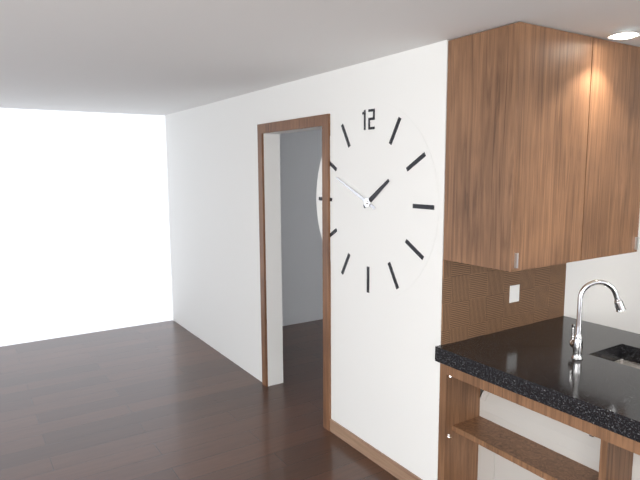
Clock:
1 h 49 min
